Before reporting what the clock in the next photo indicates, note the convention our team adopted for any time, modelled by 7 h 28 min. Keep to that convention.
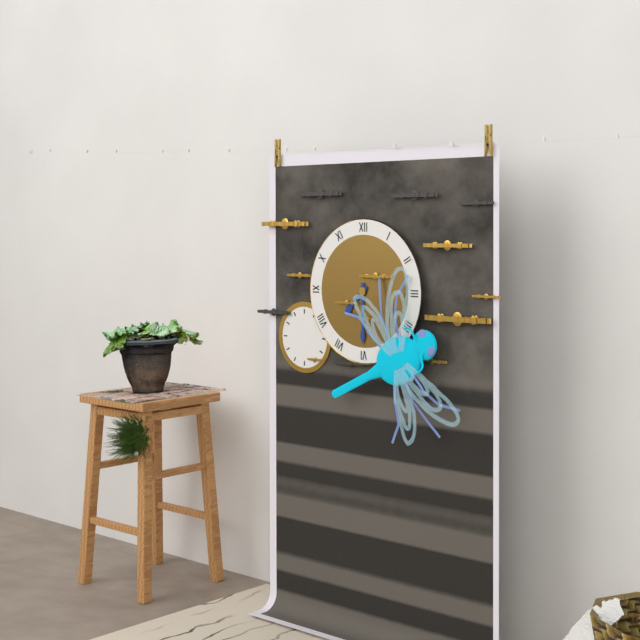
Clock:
7 h 30 min
